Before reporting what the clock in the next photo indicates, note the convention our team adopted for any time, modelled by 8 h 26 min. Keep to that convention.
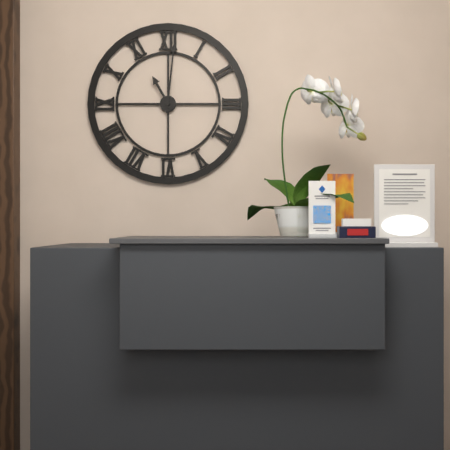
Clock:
11 h 01 min
